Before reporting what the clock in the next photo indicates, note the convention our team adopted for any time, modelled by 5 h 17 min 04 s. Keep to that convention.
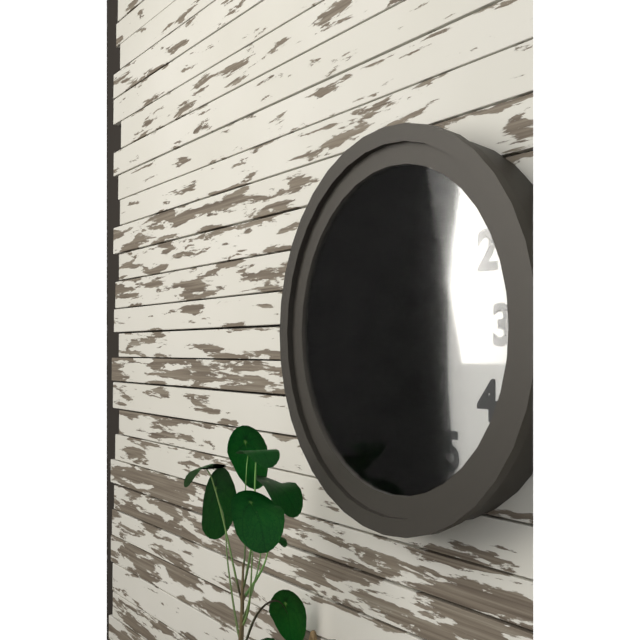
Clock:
11 h 31 min 52 s
